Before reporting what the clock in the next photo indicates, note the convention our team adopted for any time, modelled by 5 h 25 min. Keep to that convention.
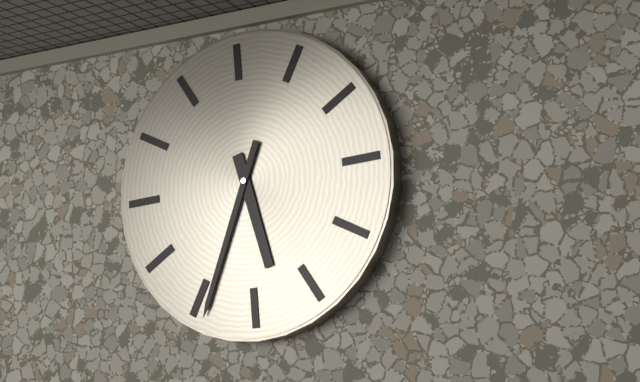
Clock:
5 h 34 min
